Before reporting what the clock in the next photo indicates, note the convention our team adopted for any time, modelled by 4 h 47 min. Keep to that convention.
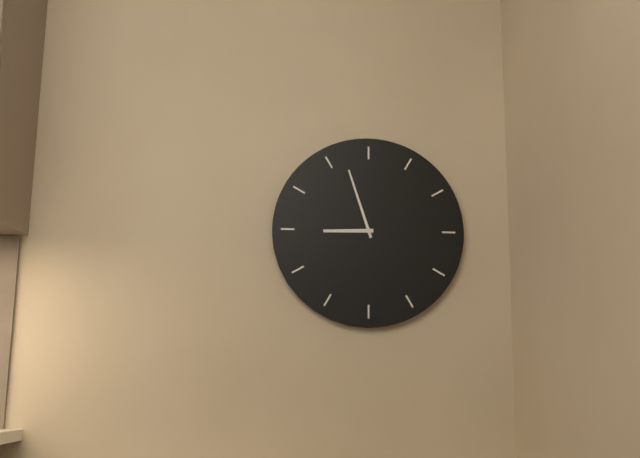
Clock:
8 h 57 min
